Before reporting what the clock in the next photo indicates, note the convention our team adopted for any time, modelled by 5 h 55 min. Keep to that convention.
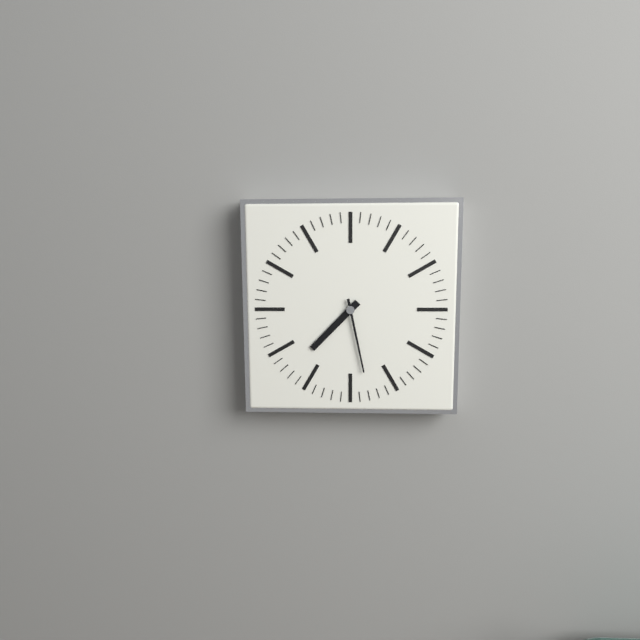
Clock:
7 h 28 min
